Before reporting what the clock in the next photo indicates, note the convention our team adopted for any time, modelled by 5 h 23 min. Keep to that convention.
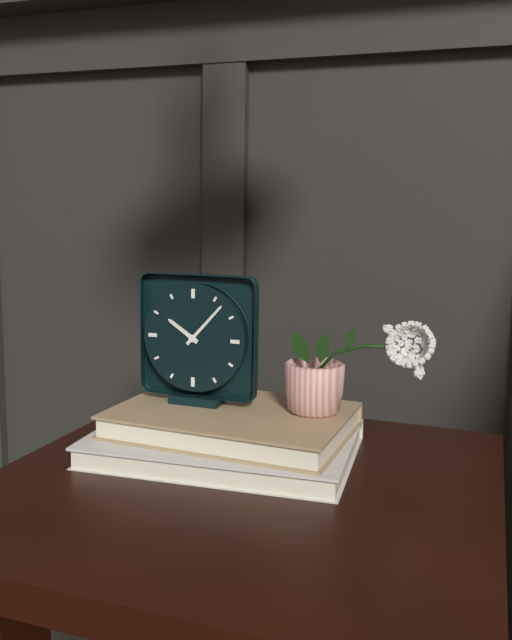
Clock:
10 h 07 min
